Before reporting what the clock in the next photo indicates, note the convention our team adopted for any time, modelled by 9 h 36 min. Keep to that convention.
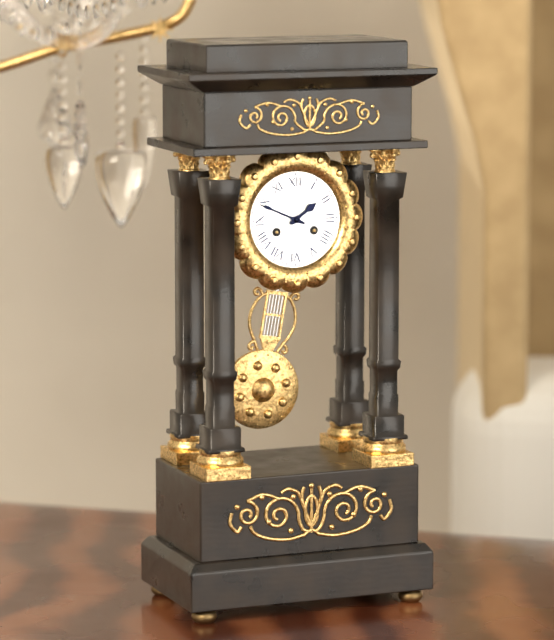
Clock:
1 h 49 min
